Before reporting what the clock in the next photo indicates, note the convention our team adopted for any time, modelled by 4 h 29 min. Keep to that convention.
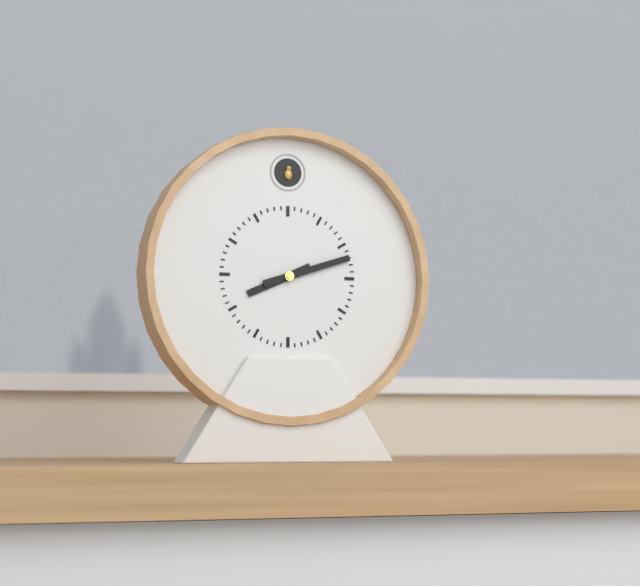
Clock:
8 h 12 min
